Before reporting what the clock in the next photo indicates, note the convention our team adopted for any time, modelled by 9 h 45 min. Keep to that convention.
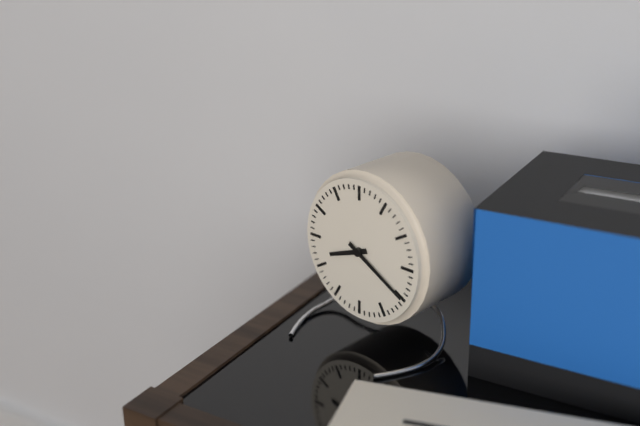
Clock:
8 h 20 min
